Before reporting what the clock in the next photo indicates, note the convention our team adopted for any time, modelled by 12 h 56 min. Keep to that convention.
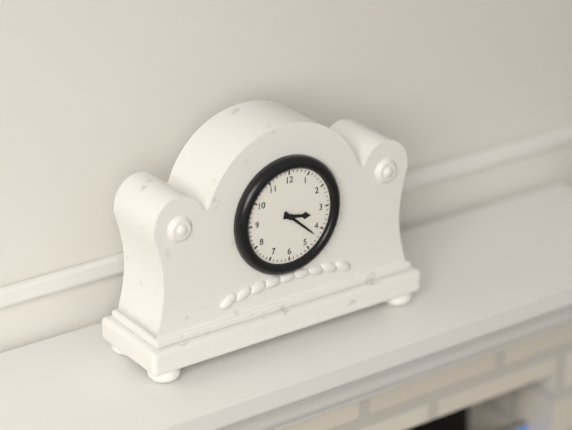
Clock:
3 h 22 min
